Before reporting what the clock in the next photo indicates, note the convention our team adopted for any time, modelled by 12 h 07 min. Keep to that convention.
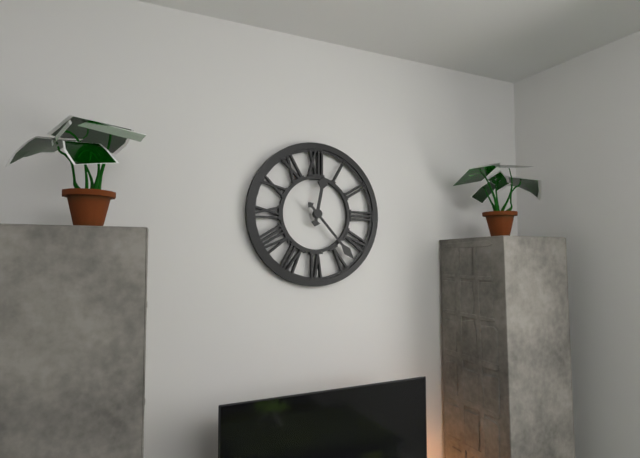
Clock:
12 h 23 min
